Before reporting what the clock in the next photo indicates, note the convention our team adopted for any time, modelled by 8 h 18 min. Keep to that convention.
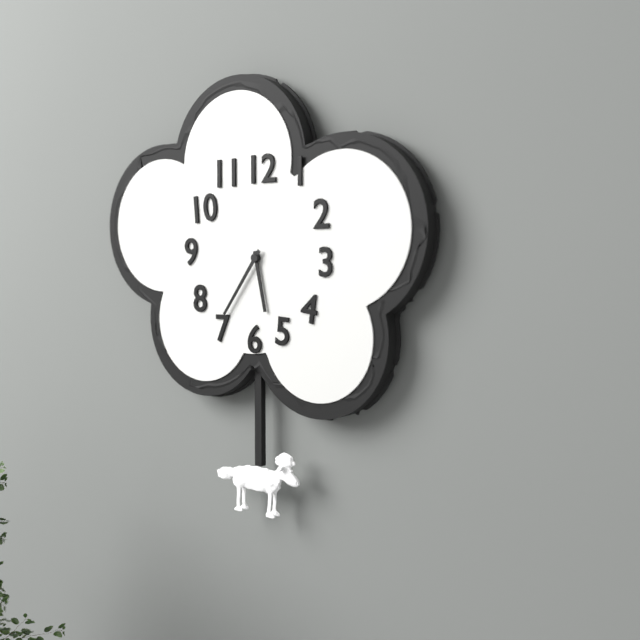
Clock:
5 h 36 min
